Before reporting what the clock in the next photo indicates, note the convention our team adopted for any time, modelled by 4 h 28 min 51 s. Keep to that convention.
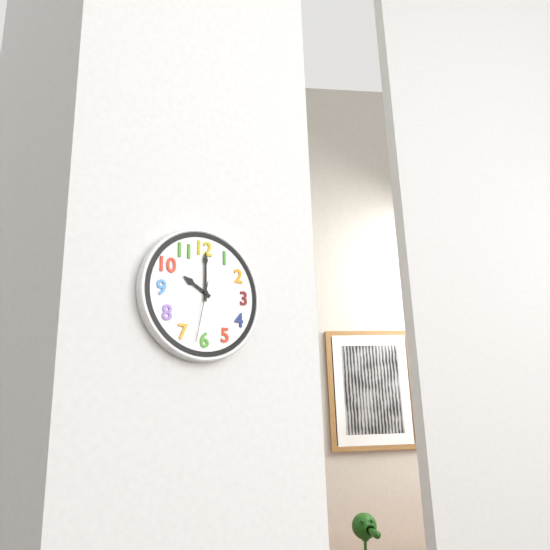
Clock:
10 h 00 min 32 s
